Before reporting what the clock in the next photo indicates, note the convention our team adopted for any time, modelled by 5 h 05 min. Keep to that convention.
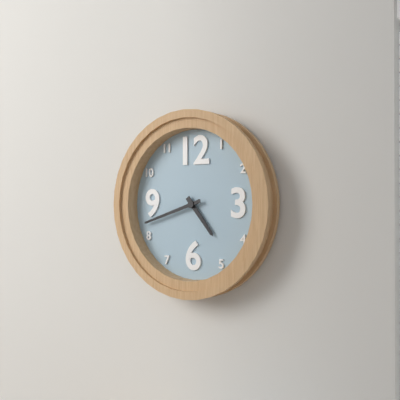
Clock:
4 h 42 min
